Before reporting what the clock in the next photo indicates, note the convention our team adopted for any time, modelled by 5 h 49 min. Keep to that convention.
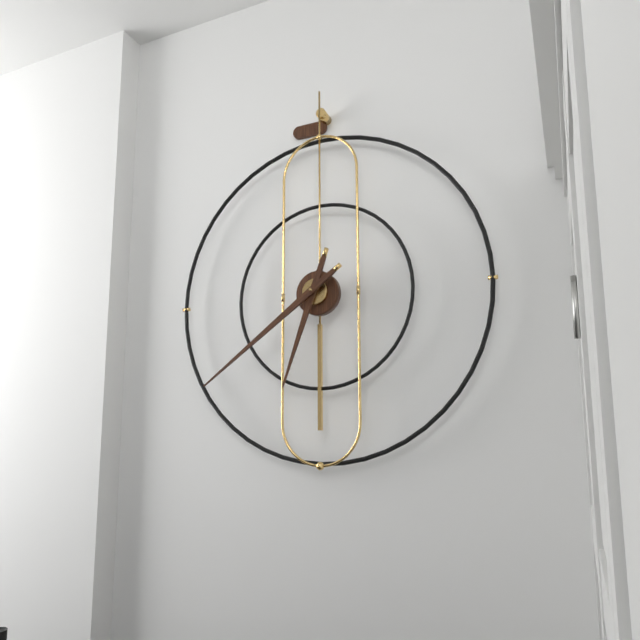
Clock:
6 h 39 min
